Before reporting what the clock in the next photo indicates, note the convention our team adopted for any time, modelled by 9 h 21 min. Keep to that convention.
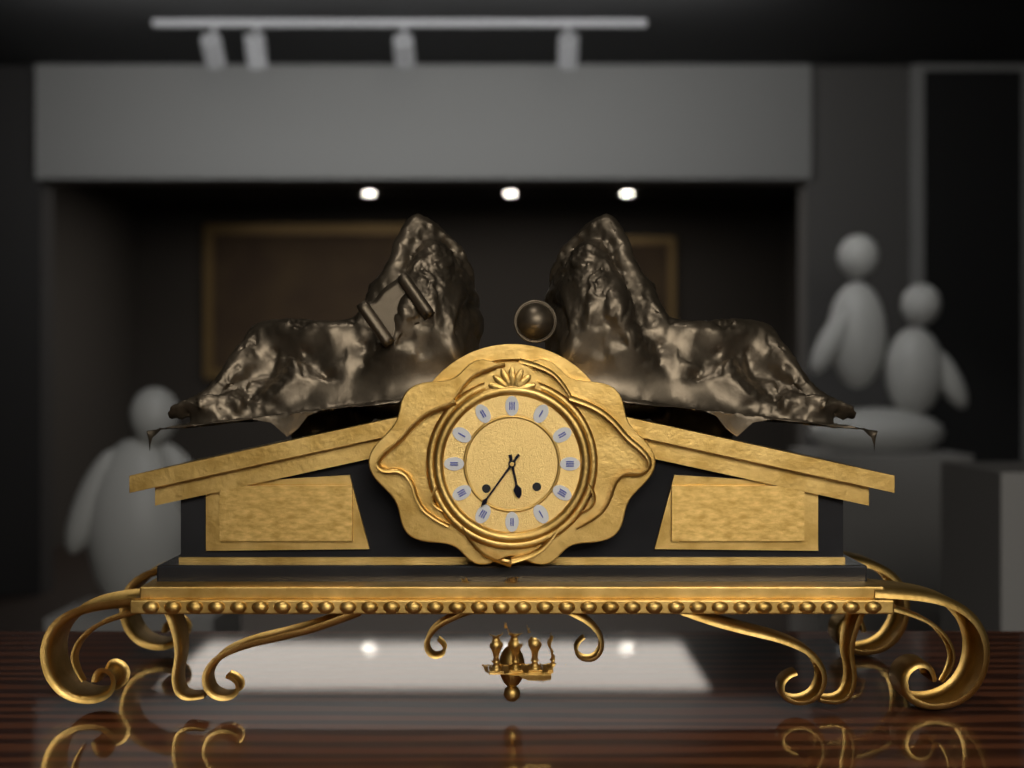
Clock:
5 h 36 min
